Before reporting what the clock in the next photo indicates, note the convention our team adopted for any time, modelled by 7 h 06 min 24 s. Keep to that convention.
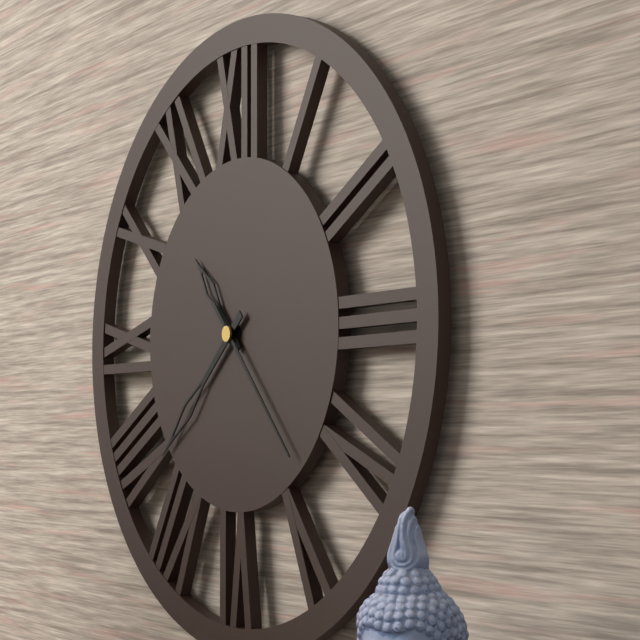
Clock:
10 h 38 min 23 s
